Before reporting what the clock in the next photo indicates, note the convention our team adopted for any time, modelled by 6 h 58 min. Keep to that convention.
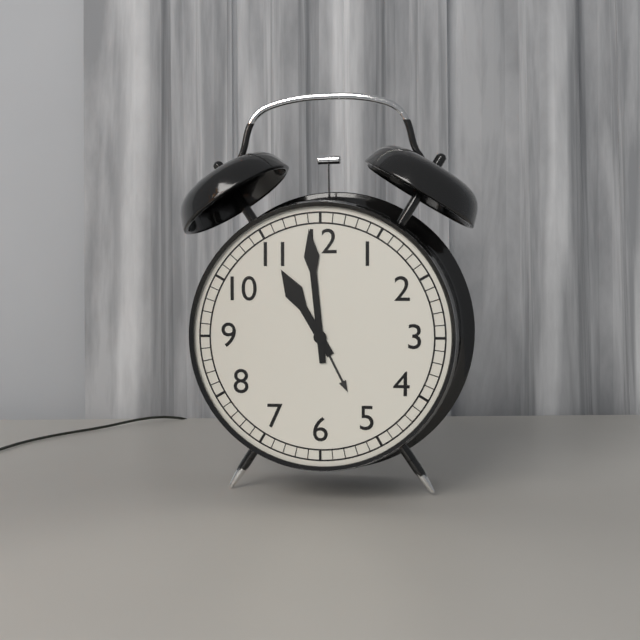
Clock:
10 h 59 min
